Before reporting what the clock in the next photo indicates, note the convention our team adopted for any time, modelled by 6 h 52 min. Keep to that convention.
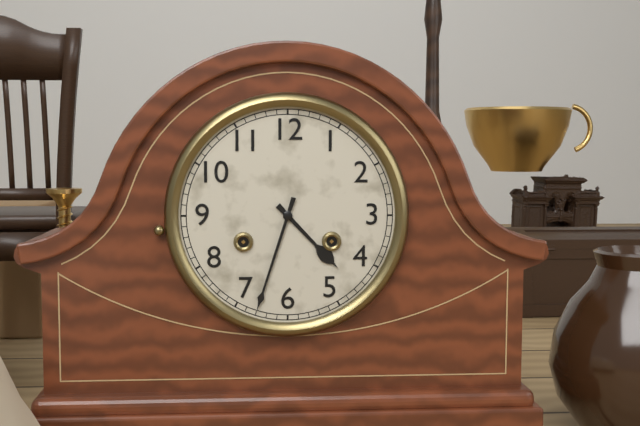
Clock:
4 h 33 min
